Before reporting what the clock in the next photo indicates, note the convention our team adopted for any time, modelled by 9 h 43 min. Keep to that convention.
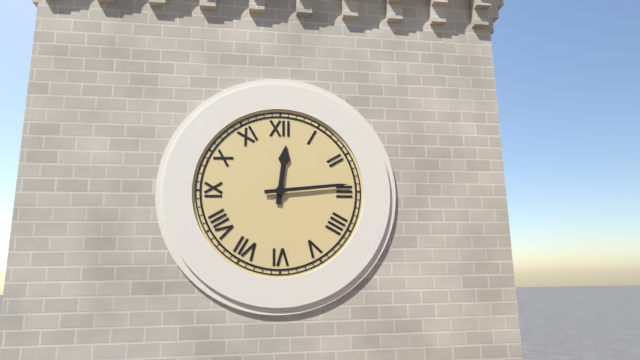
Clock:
12 h 14 min
